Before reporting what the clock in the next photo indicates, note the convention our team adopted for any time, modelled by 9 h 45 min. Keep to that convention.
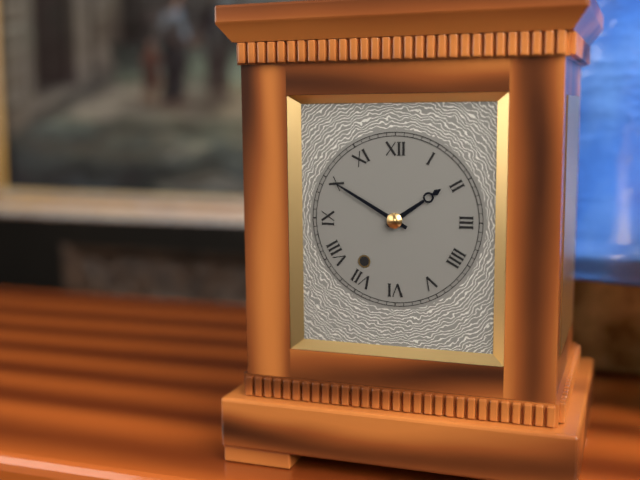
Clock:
1 h 50 min
